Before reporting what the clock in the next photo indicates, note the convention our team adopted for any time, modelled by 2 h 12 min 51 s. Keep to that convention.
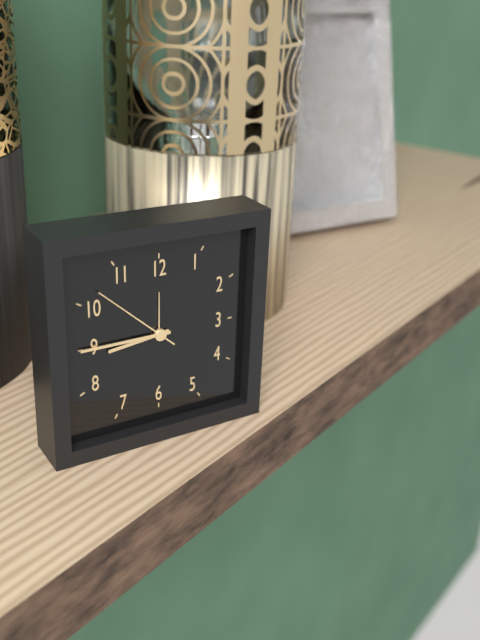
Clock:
8 h 45 min 52 s
